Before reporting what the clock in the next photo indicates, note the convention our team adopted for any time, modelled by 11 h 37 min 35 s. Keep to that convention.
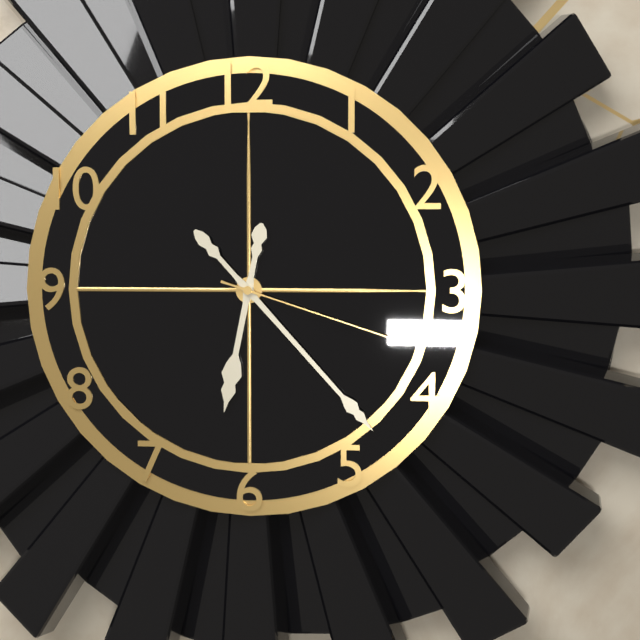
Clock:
6 h 23 min 18 s
